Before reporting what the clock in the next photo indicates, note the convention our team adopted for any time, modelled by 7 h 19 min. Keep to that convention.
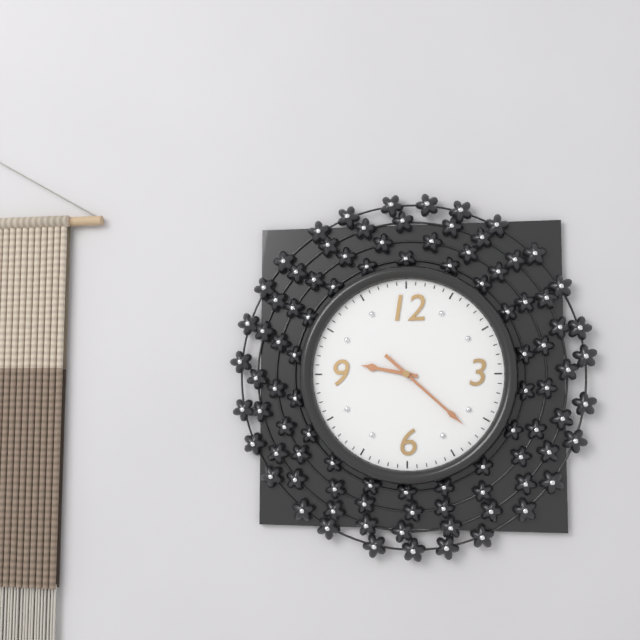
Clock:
9 h 22 min
